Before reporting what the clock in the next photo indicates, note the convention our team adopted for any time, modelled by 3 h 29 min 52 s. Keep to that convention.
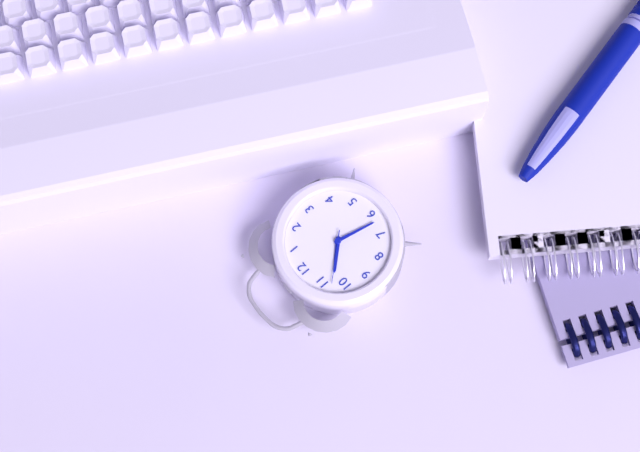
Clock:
10 h 32 min 53 s
